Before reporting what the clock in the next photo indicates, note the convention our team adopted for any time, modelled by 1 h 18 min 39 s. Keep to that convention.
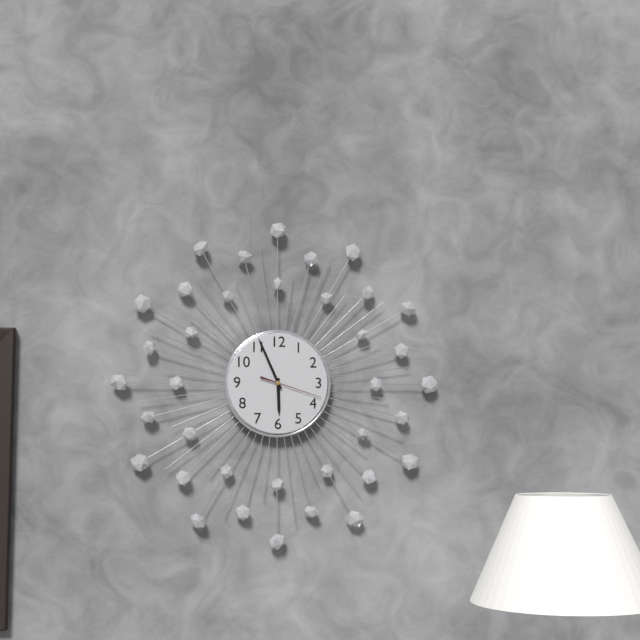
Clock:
5 h 56 min 18 s
